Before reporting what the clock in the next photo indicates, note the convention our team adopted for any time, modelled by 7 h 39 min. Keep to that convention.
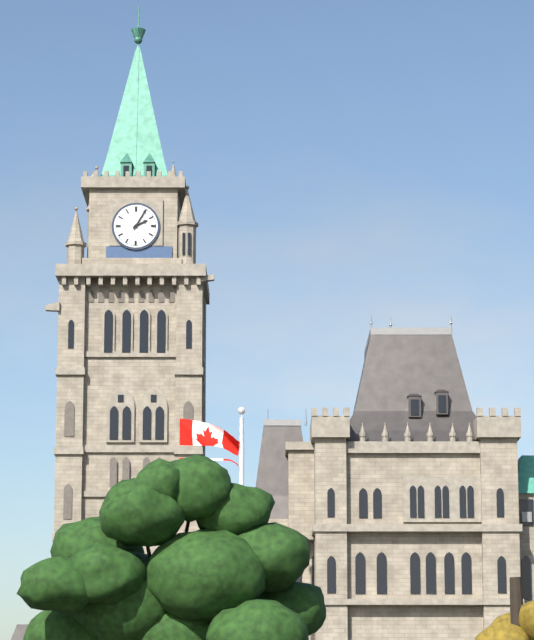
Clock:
2 h 05 min
